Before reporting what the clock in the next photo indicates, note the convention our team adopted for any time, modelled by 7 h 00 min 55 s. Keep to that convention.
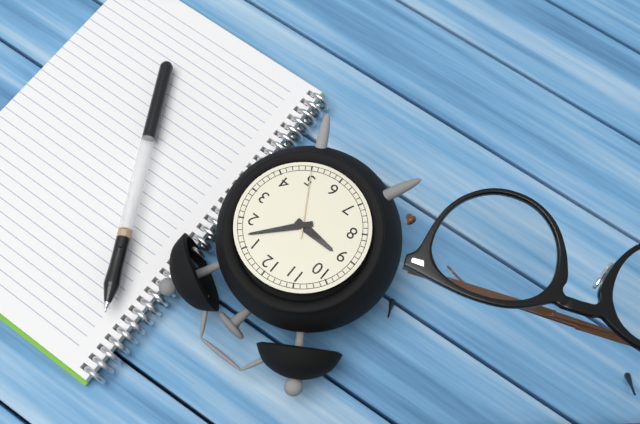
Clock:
9 h 07 min 25 s
